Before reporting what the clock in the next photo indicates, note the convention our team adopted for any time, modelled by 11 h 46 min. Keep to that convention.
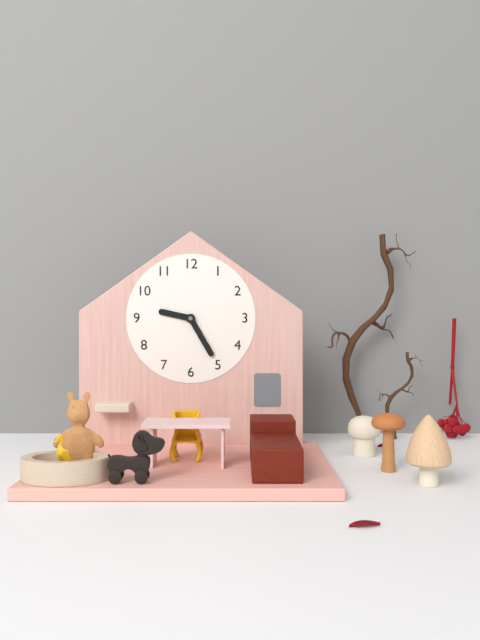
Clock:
9 h 25 min
